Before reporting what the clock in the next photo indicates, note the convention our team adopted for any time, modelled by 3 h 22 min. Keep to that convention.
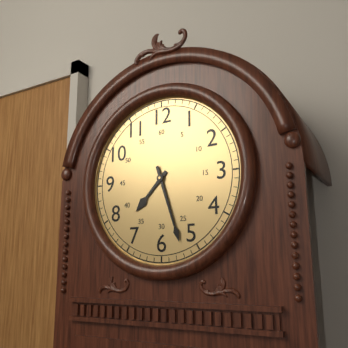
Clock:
7 h 27 min
